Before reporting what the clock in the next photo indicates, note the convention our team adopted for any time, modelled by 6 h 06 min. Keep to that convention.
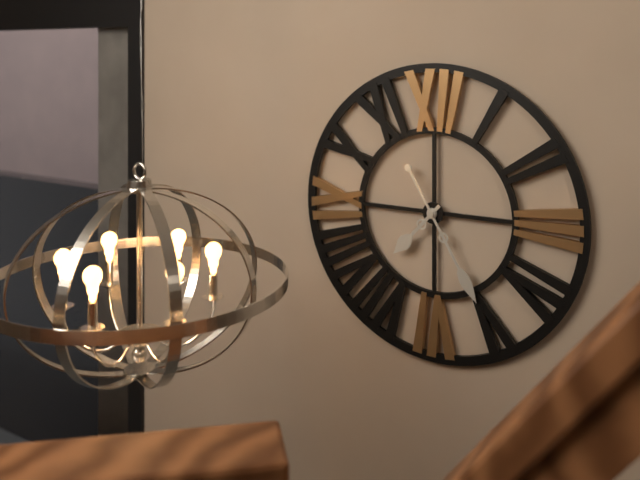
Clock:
7 h 25 min
